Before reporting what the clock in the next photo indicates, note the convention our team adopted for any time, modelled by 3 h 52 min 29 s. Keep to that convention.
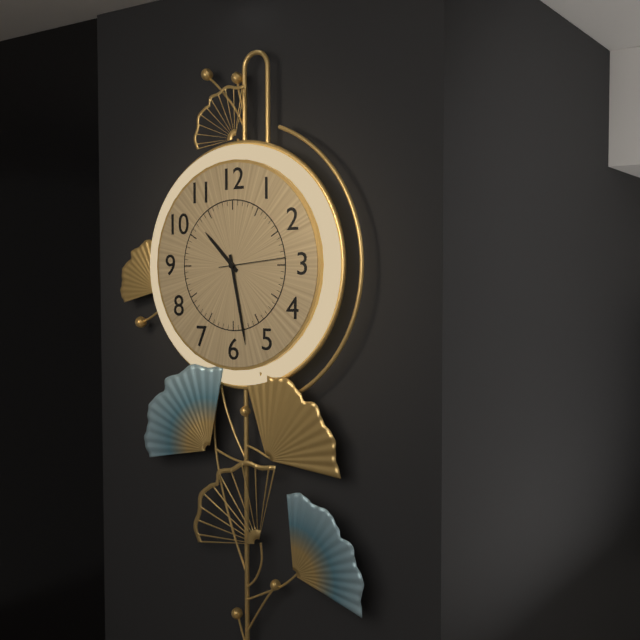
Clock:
10 h 28 min 14 s
